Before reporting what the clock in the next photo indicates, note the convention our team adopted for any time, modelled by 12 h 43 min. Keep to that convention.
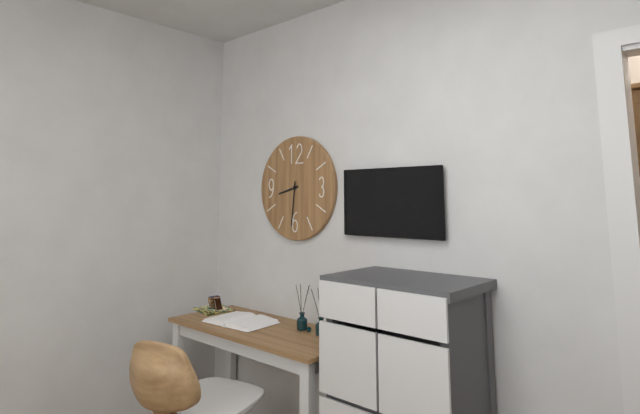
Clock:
8 h 31 min
